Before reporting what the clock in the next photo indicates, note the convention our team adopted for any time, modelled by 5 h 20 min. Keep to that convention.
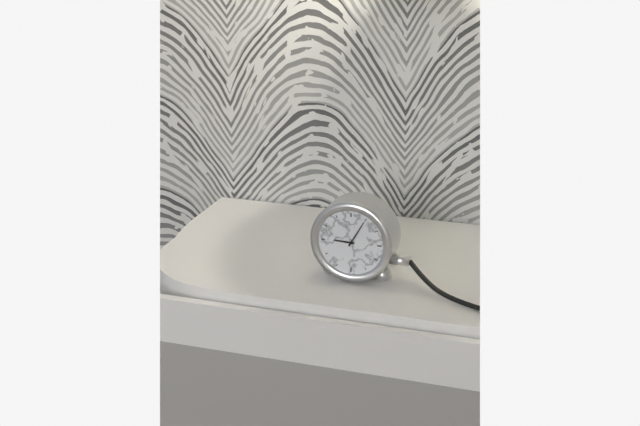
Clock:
9 h 05 min
